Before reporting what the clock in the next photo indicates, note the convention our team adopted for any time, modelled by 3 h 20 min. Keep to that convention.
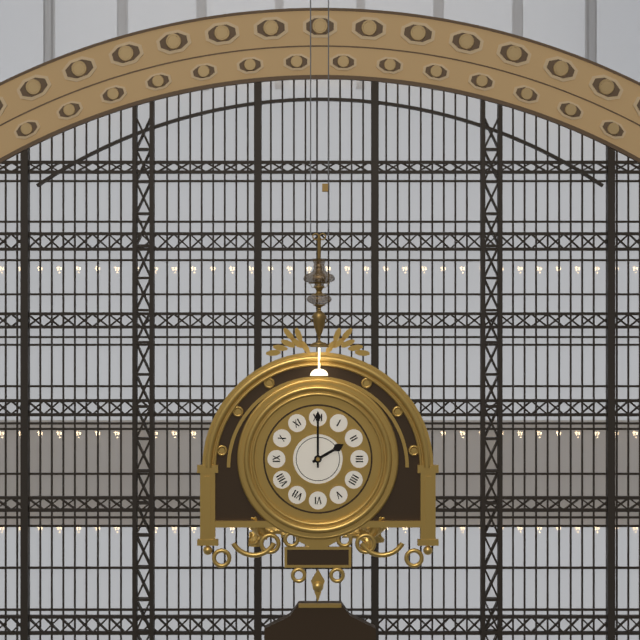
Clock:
2 h 00 min
